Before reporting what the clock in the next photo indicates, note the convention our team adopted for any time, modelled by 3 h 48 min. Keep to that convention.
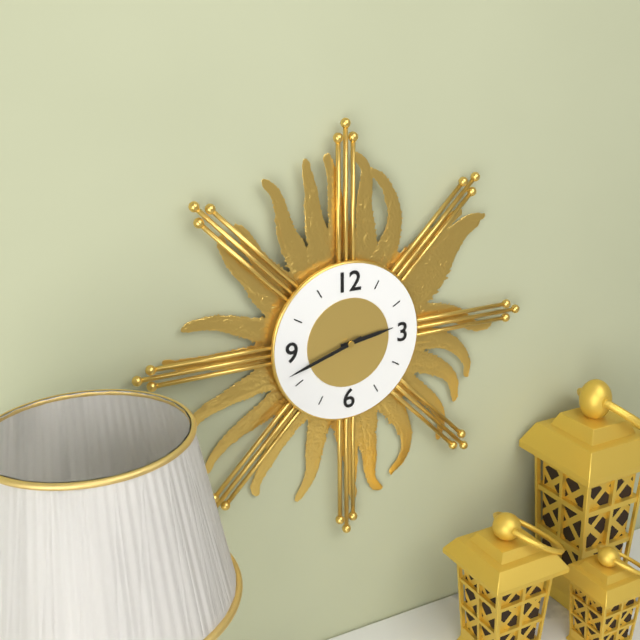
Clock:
2 h 42 min
